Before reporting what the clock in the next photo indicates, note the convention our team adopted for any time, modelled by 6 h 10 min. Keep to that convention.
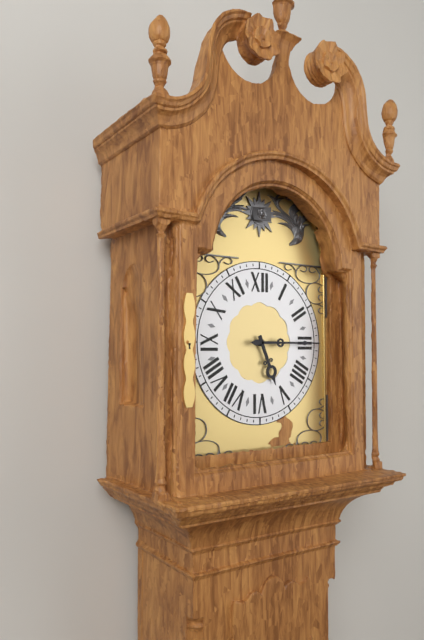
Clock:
5 h 15 min
